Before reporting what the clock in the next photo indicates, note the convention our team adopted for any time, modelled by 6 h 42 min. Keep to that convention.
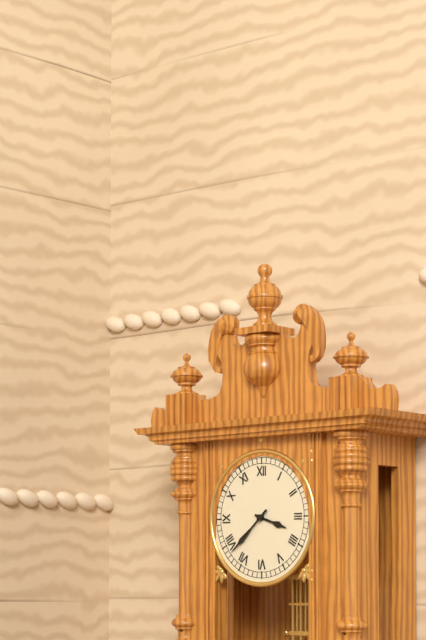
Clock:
3 h 38 min
